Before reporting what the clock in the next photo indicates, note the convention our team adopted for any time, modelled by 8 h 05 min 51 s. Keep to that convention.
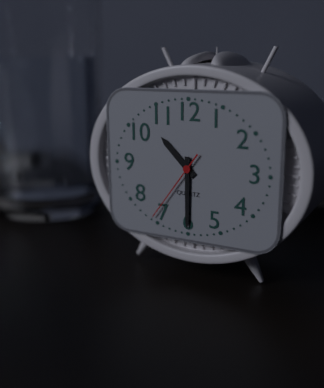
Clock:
10 h 30 min 36 s
